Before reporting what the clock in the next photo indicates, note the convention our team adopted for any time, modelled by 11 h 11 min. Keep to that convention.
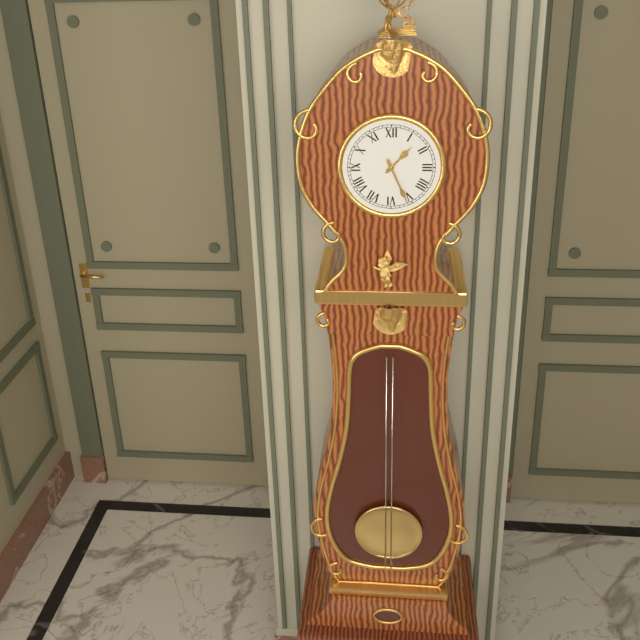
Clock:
1 h 26 min
